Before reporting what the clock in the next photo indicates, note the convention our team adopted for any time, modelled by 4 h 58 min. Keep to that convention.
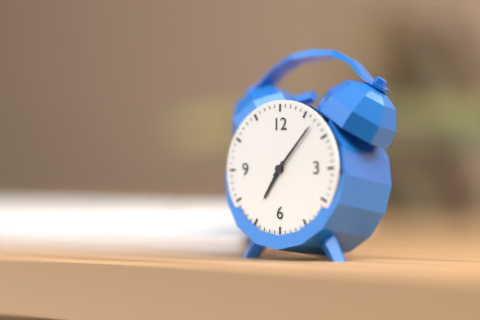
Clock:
7 h 07 min
